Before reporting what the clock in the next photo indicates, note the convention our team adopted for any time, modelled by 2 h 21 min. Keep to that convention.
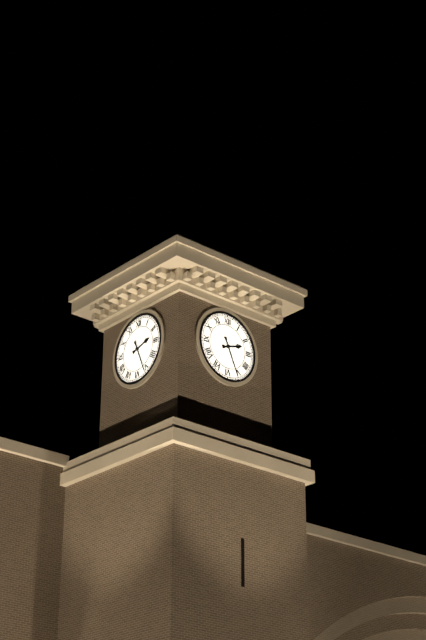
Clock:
2 h 26 min
